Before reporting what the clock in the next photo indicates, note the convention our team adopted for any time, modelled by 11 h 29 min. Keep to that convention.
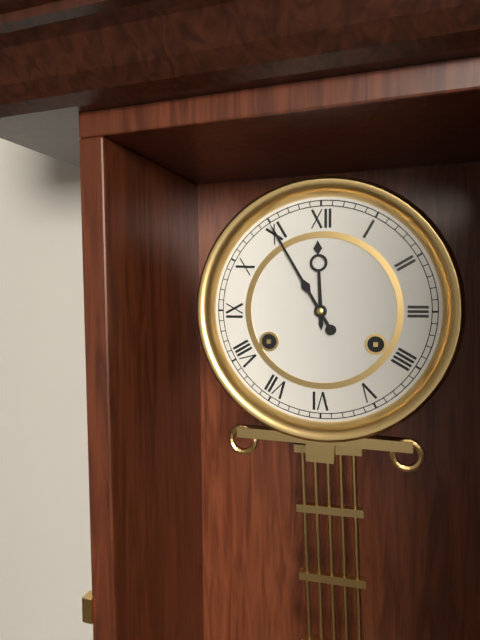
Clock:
11 h 55 min
